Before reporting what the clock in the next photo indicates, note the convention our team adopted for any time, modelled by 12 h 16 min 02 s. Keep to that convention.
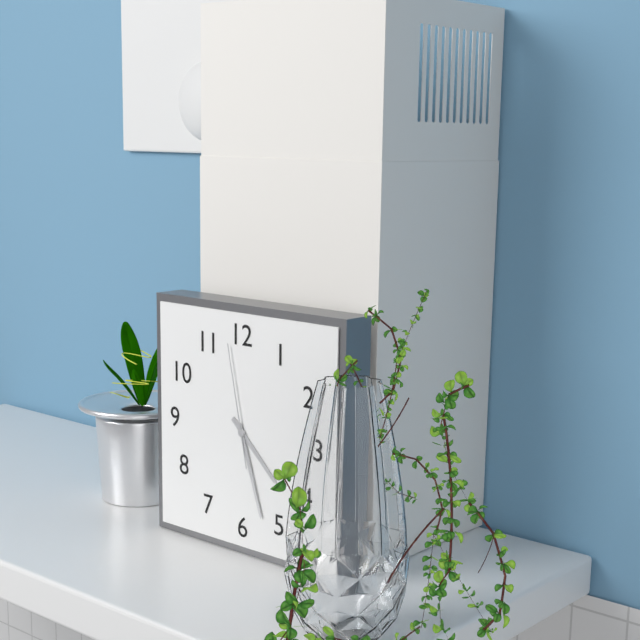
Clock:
4 h 27 min 58 s
